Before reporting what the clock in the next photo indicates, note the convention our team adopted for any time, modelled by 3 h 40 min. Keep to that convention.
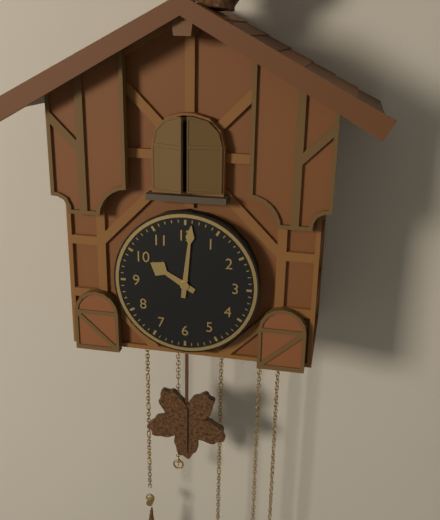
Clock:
10 h 01 min
